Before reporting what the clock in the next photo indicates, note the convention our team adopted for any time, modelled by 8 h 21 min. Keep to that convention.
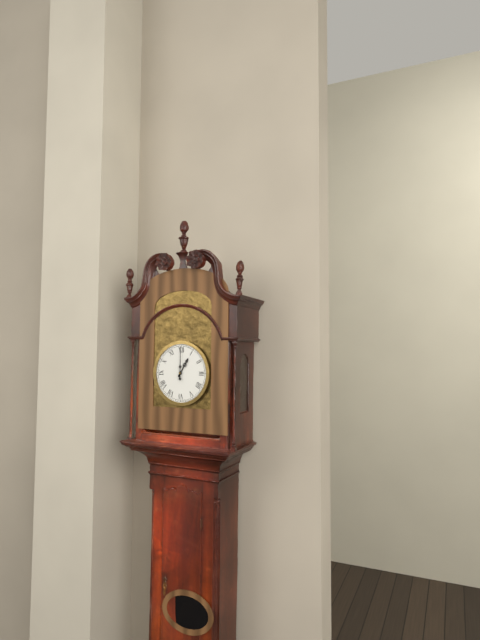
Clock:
1 h 00 min
